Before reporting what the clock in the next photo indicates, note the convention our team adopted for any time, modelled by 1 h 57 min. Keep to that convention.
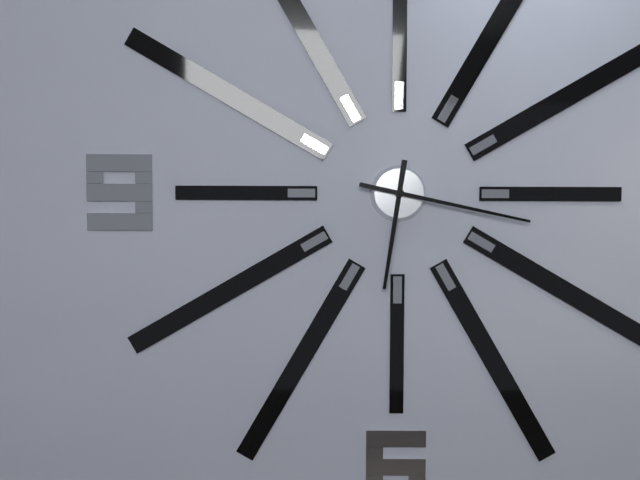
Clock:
6 h 17 min
